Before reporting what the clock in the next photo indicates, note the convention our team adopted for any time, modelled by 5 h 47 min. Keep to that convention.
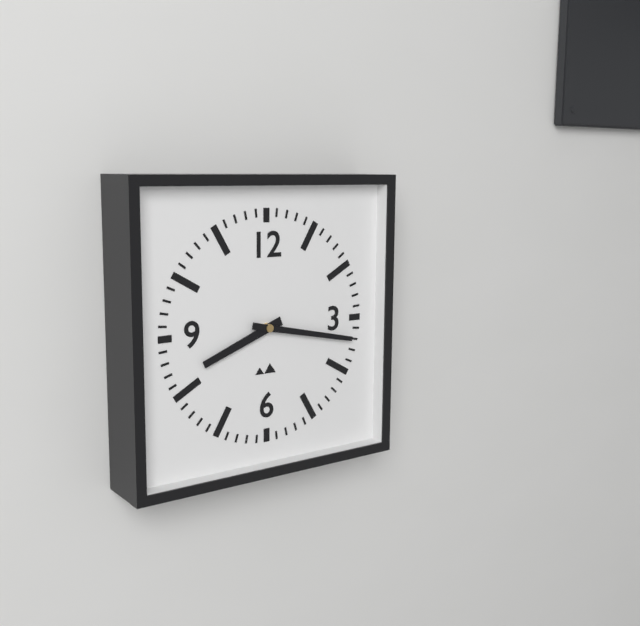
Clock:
8 h 17 min
